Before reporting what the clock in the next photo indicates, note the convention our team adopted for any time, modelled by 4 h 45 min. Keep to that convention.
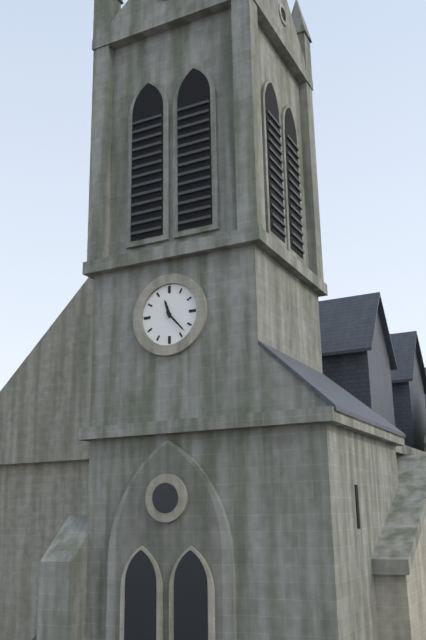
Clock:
11 h 23 min
